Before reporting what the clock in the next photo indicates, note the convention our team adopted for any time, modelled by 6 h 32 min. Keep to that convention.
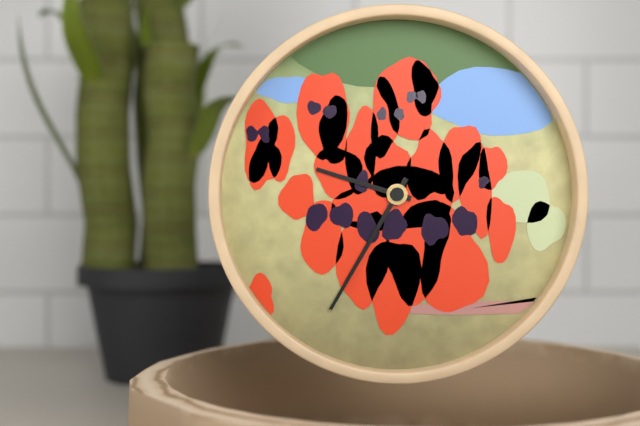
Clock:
9 h 35 min
